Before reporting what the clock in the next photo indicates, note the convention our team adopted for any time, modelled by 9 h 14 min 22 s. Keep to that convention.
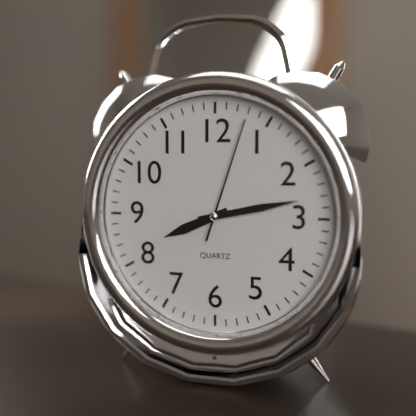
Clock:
8 h 13 min 03 s
